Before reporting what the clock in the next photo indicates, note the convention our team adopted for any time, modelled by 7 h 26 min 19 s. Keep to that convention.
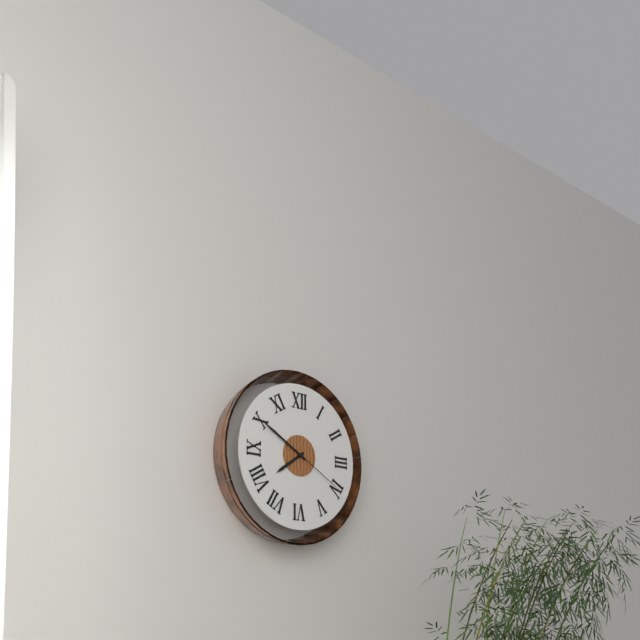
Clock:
7 h 50 min 20 s
